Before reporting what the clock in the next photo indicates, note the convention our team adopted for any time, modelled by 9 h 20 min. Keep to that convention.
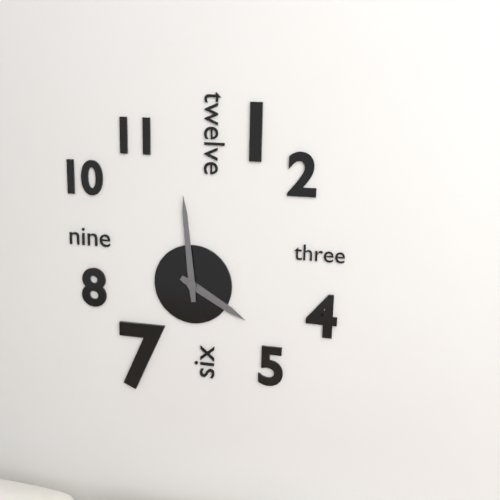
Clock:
3 h 59 min
